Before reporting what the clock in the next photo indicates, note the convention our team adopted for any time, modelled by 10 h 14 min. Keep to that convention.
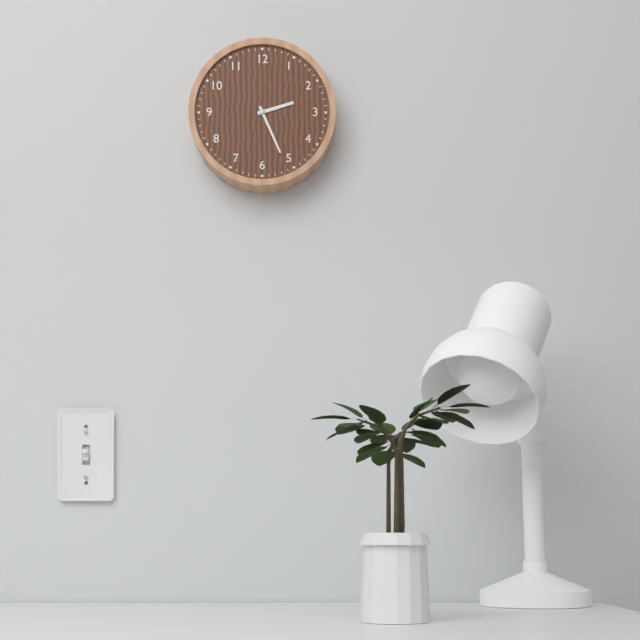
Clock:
2 h 26 min
